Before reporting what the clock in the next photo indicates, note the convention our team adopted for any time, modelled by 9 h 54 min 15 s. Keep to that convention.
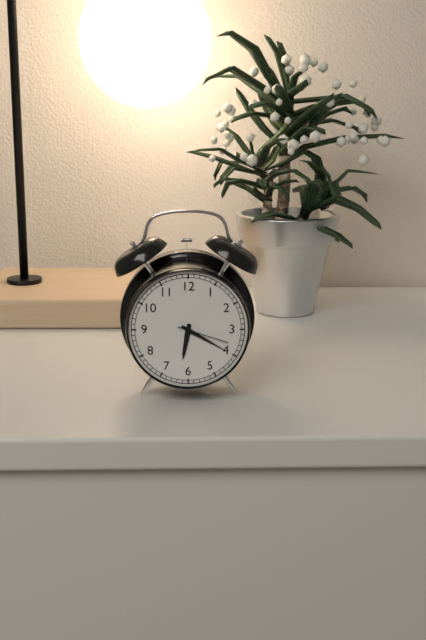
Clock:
6 h 20 min 18 s
